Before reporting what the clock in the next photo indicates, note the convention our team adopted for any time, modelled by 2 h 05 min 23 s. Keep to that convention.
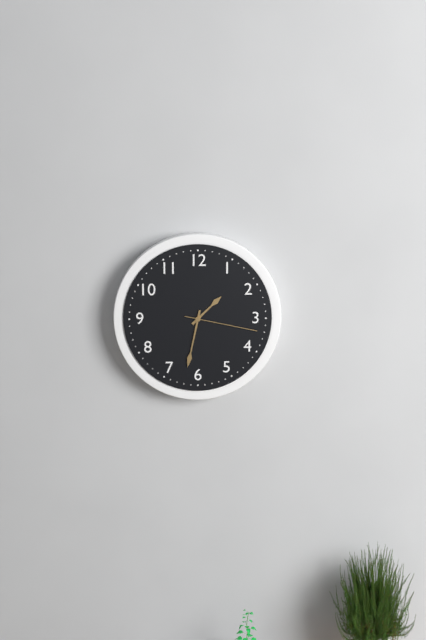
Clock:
1 h 32 min 17 s
